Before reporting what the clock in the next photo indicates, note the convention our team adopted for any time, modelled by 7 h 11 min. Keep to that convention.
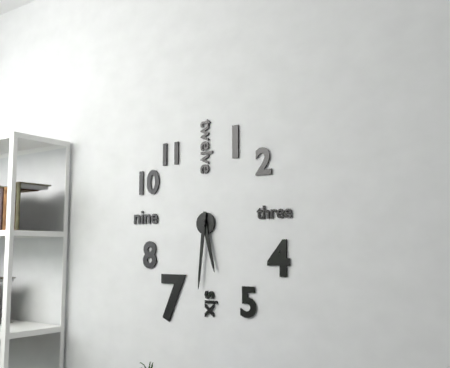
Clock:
5 h 31 min
